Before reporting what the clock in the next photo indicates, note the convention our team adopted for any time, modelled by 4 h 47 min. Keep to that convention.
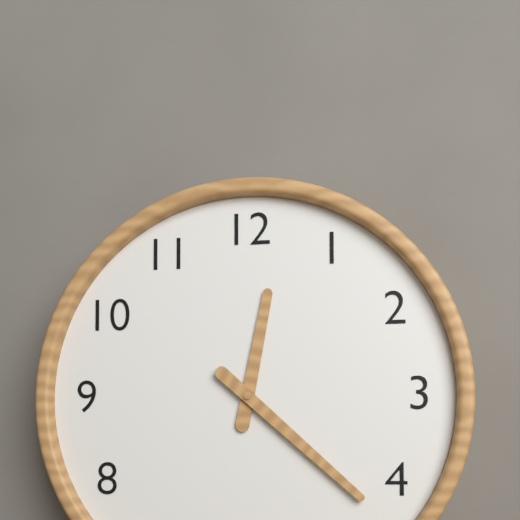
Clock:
12 h 22 min
